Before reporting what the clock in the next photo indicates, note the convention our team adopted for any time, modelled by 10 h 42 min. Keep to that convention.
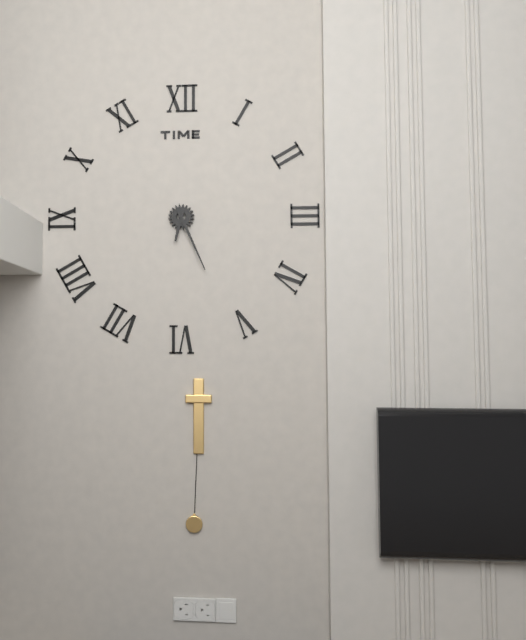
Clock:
6 h 26 min
